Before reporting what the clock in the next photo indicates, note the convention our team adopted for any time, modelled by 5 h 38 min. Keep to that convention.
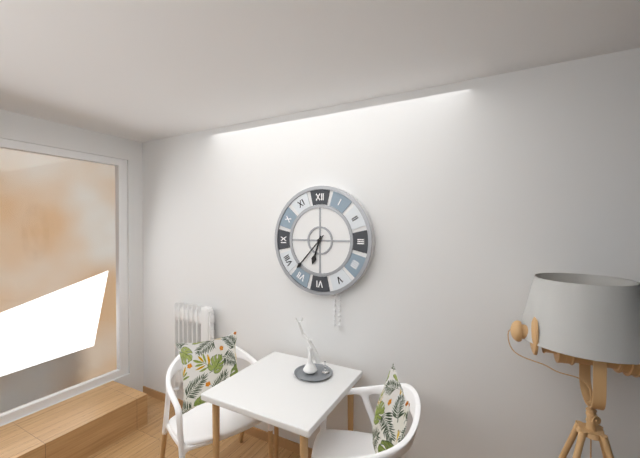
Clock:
6 h 37 min
